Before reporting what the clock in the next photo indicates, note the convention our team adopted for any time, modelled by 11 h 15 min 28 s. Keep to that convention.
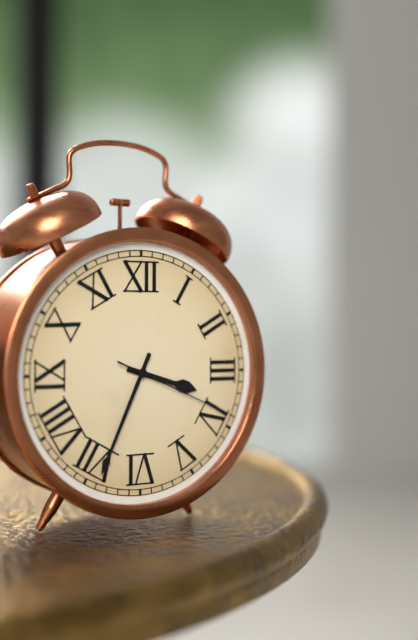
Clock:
3 h 34 min 19 s
